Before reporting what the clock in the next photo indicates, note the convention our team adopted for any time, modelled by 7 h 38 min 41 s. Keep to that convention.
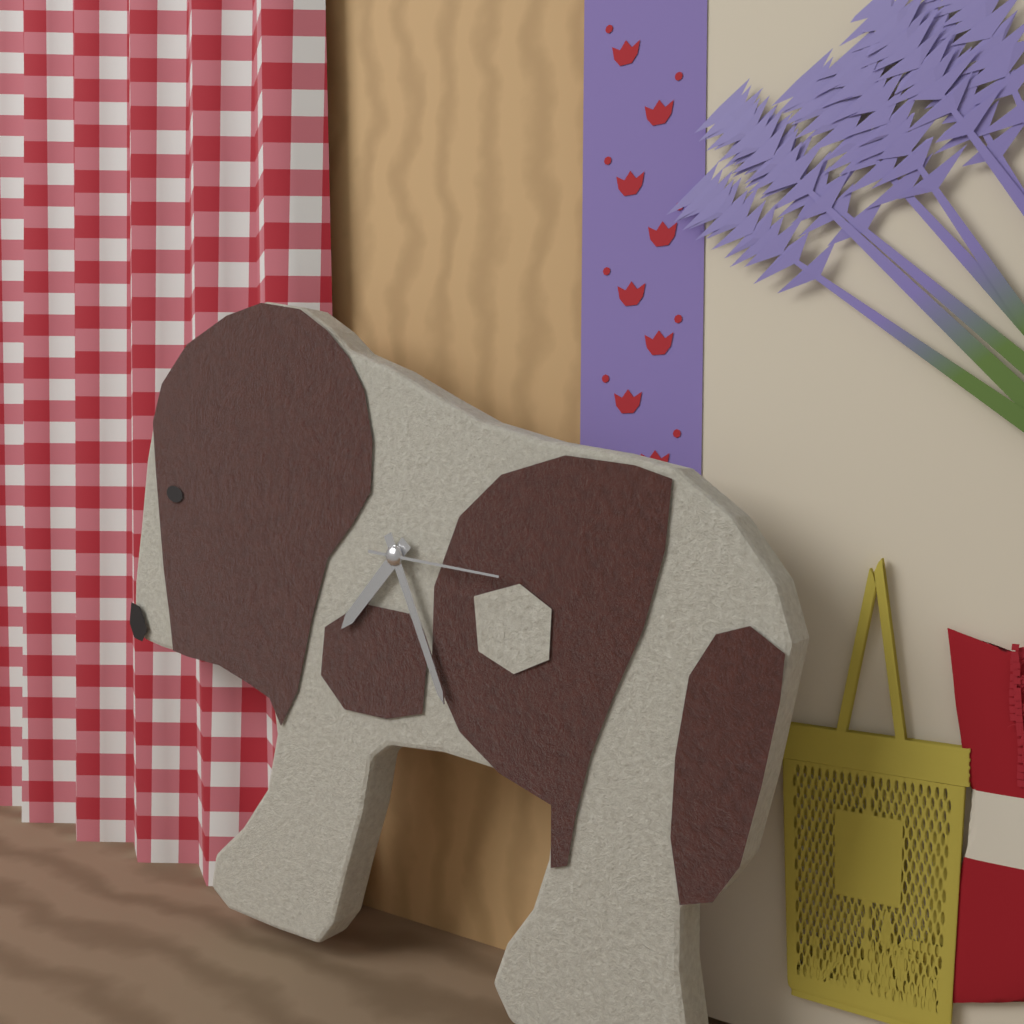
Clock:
7 h 26 min 16 s
